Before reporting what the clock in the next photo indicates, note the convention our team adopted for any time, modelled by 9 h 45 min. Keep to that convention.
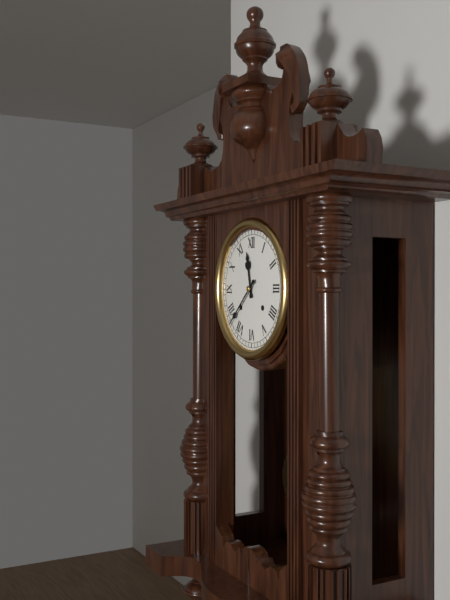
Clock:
11 h 38 min
